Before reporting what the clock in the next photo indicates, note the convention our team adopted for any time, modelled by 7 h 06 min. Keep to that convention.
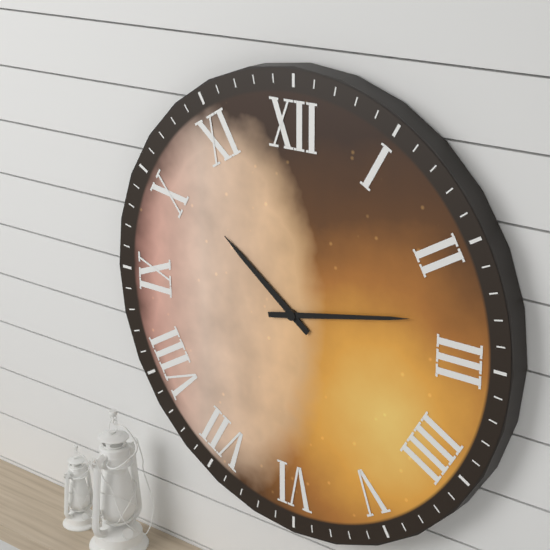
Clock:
10 h 13 min
